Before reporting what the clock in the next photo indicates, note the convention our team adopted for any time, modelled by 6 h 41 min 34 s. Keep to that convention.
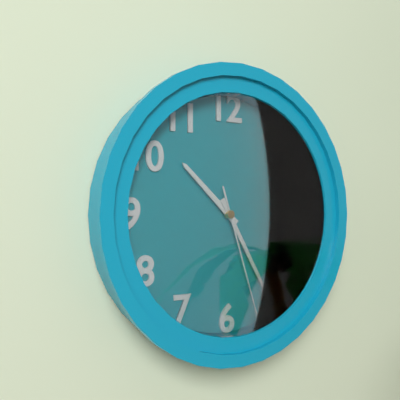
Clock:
10 h 25 min 27 s
